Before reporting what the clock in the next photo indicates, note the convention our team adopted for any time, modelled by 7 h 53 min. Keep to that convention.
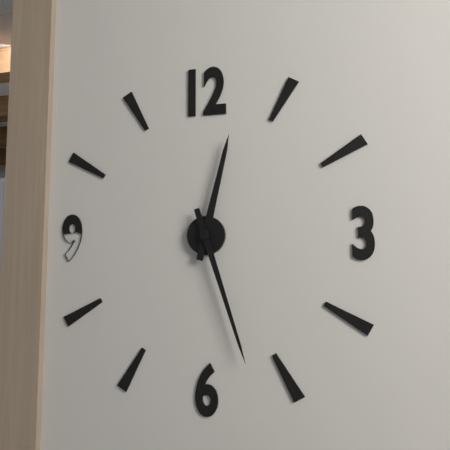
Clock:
12 h 27 min
